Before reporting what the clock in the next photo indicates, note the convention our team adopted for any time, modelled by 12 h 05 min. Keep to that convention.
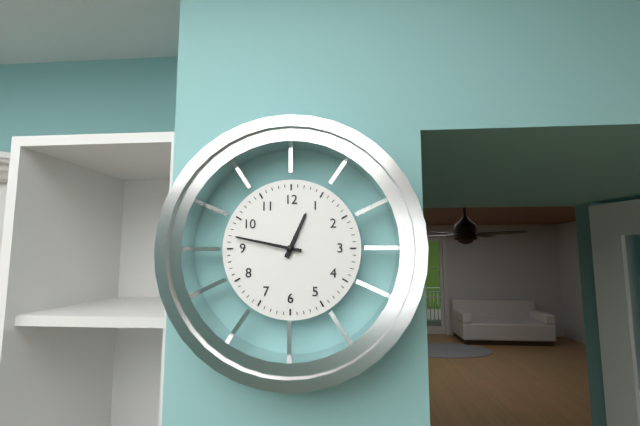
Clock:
12 h 47 min
